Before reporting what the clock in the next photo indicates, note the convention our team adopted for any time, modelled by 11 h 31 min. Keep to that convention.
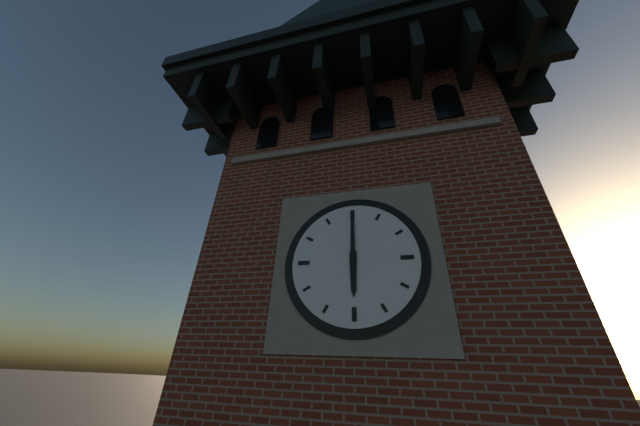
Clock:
6 h 00 min
